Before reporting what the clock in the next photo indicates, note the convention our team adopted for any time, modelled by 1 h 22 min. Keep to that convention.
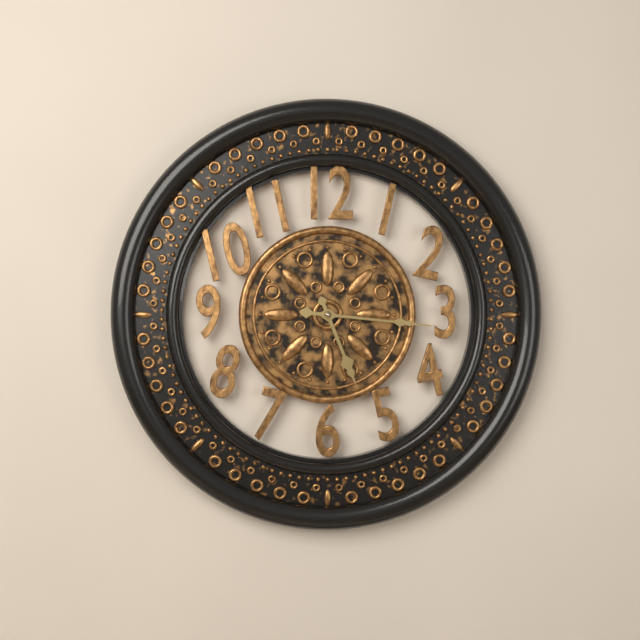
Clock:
5 h 16 min
